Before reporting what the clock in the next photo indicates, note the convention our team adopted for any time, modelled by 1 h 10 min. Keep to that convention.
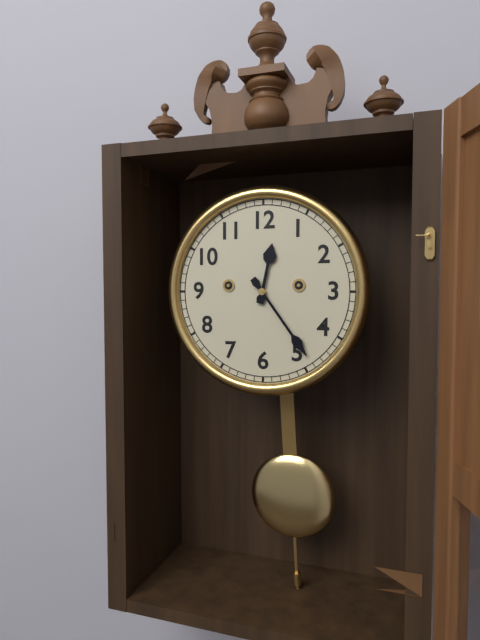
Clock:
12 h 24 min
